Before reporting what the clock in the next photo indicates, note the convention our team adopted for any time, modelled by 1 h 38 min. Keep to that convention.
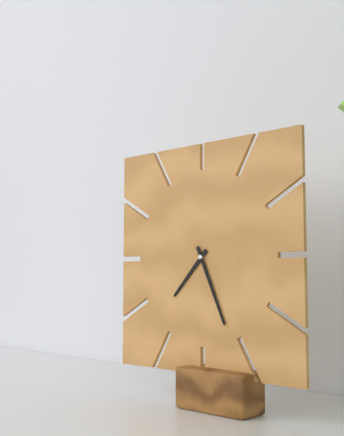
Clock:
7 h 26 min
